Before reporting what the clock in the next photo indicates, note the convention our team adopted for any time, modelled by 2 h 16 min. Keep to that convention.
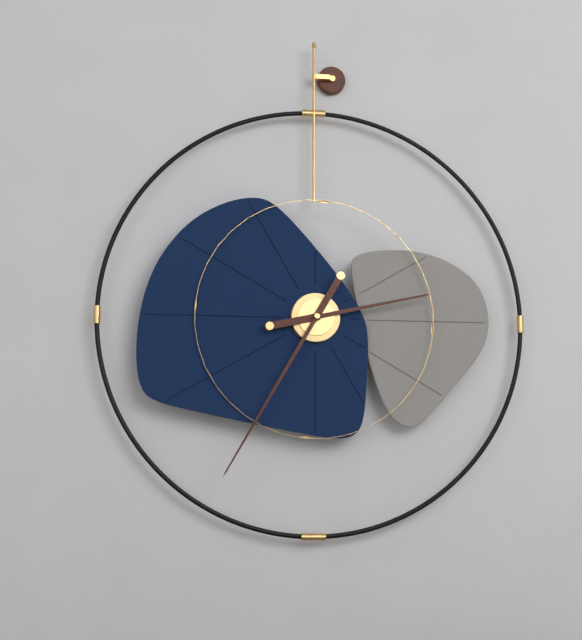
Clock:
2 h 35 min
